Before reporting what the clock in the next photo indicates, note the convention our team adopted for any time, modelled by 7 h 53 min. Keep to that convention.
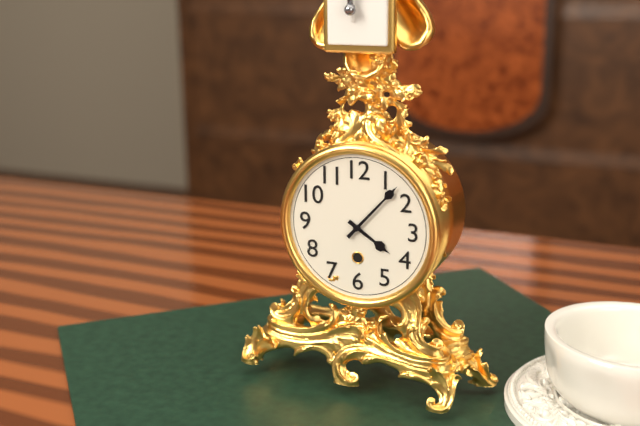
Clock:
4 h 07 min
